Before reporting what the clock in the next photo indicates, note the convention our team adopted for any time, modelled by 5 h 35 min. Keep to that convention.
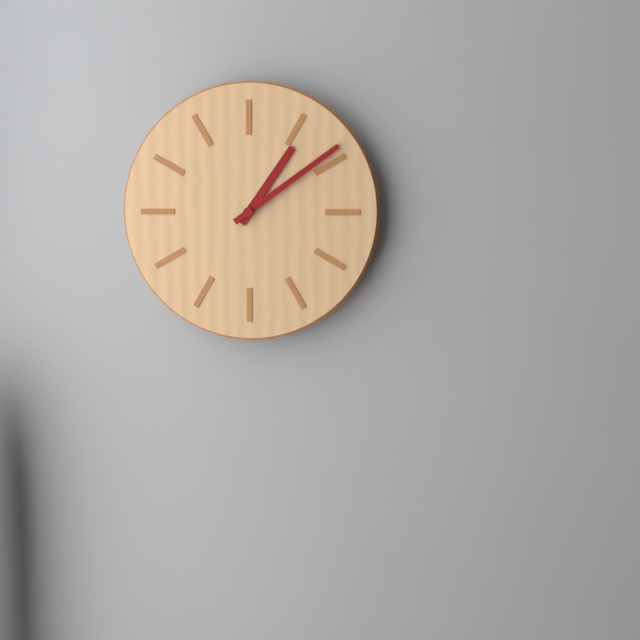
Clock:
1 h 09 min
